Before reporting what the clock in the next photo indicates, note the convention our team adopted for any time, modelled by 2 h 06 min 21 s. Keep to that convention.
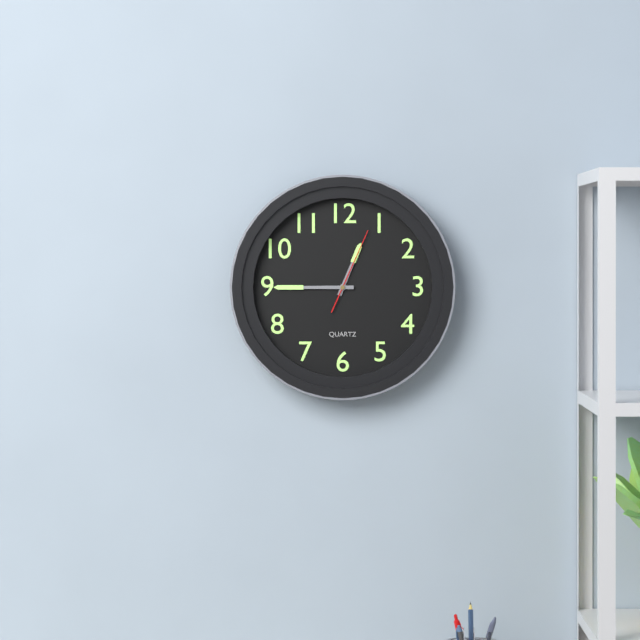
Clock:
12 h 45 min 04 s
